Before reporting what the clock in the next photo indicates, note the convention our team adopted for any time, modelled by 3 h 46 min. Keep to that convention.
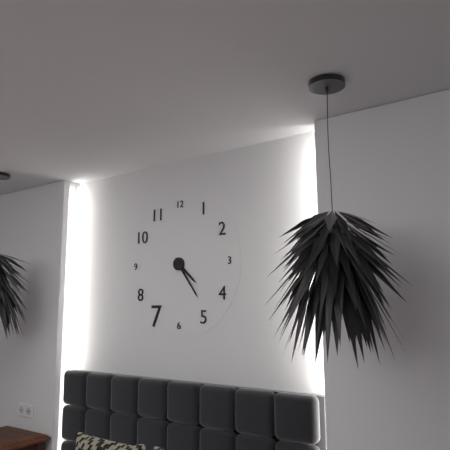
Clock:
4 h 24 min
